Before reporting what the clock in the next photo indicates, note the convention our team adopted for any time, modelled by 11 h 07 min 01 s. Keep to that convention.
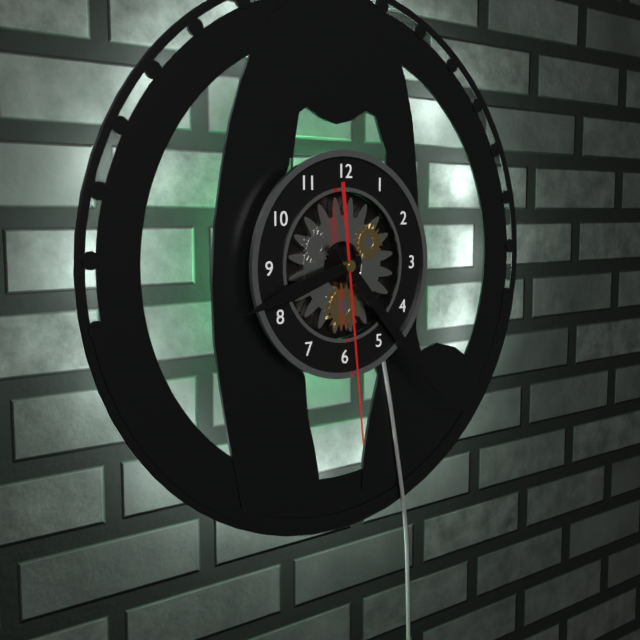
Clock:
8 h 23 min 29 s
